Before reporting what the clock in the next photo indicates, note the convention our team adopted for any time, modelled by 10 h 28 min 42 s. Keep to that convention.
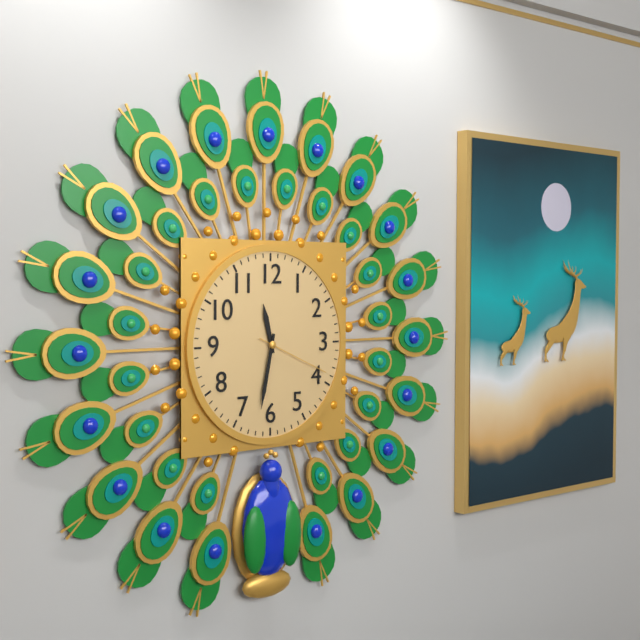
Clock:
11 h 32 min 19 s
